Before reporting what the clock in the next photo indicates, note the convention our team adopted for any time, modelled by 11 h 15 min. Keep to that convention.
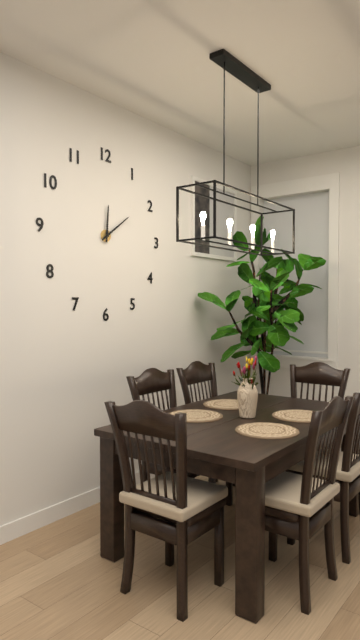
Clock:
12 h 09 min
